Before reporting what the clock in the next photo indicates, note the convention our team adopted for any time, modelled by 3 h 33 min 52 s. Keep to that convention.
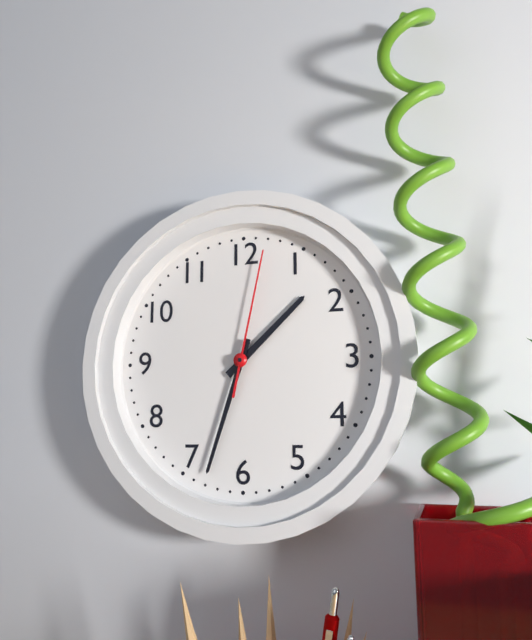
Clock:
1 h 33 min 02 s
